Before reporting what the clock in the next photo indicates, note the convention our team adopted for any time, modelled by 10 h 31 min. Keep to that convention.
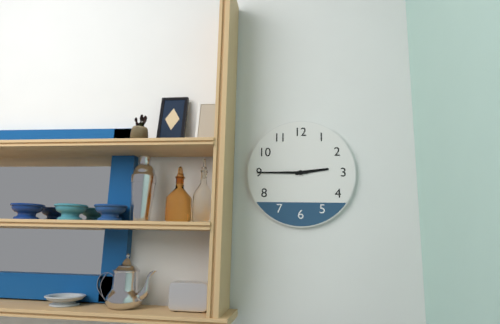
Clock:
2 h 45 min
